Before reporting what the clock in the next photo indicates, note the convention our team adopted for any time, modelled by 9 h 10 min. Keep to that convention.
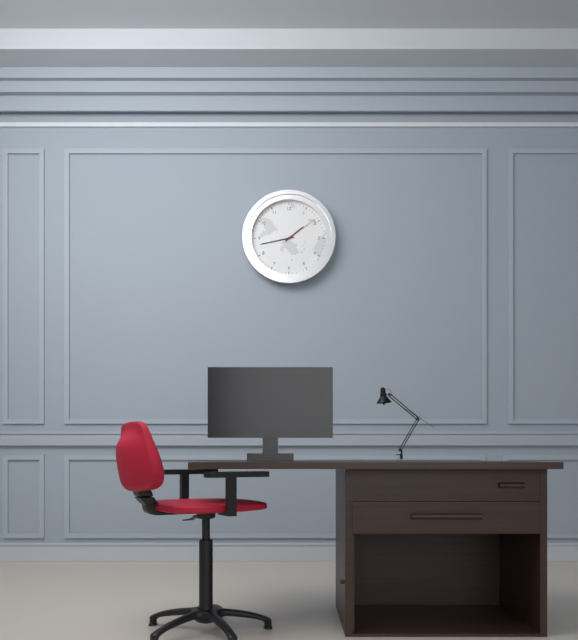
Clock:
1 h 43 min
